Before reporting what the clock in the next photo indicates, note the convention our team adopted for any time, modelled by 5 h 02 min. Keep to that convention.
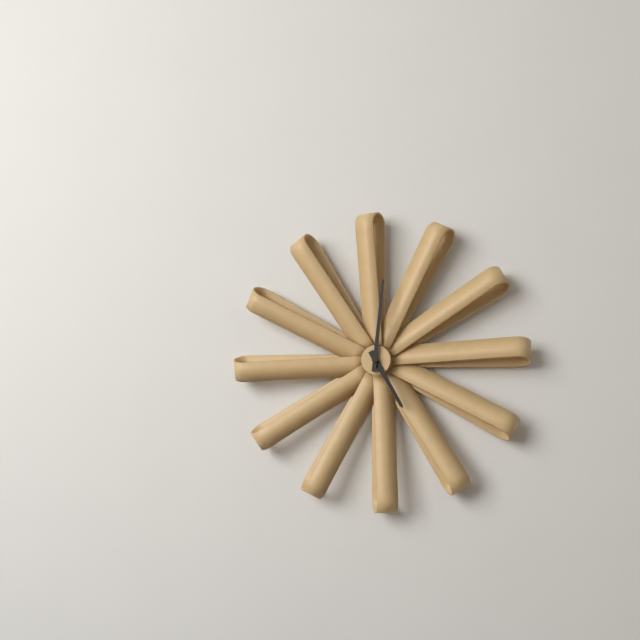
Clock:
5 h 01 min
